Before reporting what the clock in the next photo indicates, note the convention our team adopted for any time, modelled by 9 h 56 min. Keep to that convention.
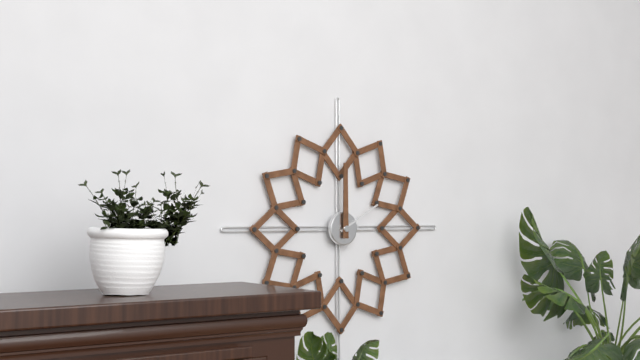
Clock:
2 h 00 min
